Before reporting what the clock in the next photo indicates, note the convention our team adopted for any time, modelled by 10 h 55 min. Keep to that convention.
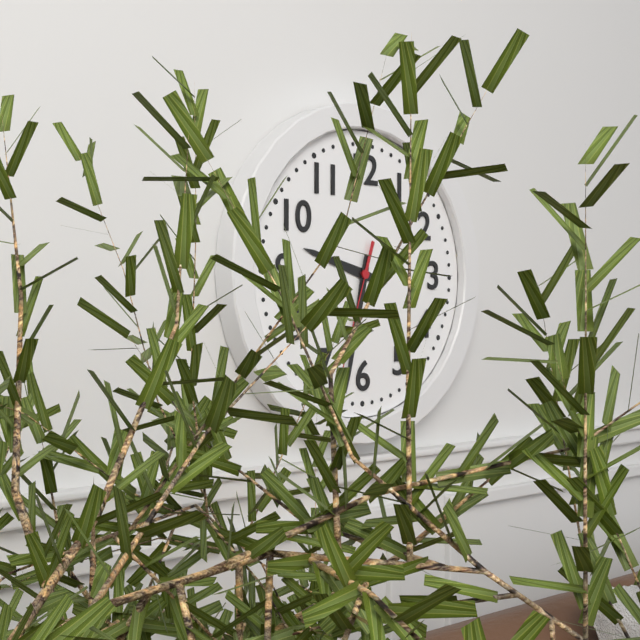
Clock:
9 h 32 min
